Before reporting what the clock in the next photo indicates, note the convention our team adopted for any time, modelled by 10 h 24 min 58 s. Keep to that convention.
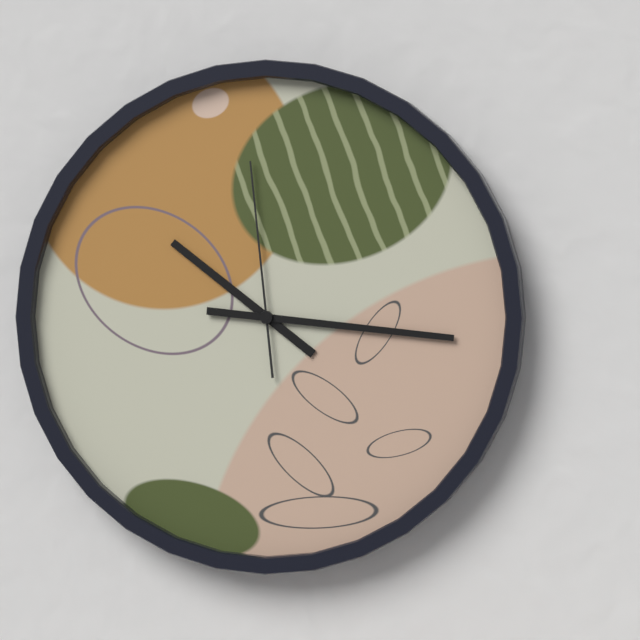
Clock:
10 h 16 min 59 s
